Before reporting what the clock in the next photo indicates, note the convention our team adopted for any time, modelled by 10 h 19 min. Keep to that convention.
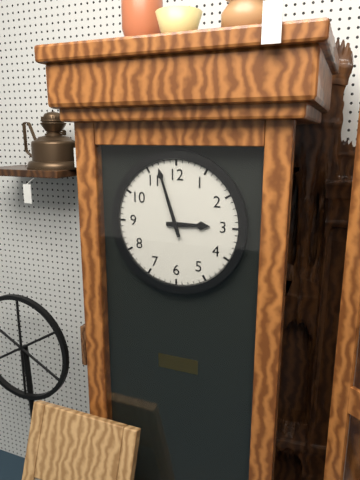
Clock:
2 h 57 min
